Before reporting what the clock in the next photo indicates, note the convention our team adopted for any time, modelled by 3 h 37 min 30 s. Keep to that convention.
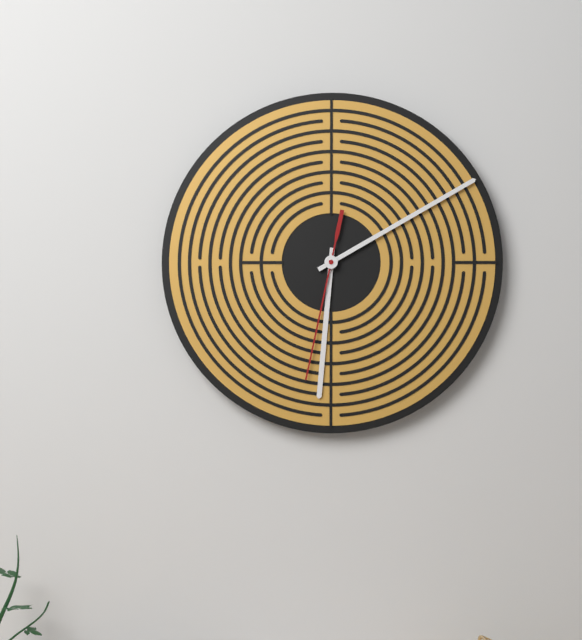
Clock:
6 h 10 min 32 s
